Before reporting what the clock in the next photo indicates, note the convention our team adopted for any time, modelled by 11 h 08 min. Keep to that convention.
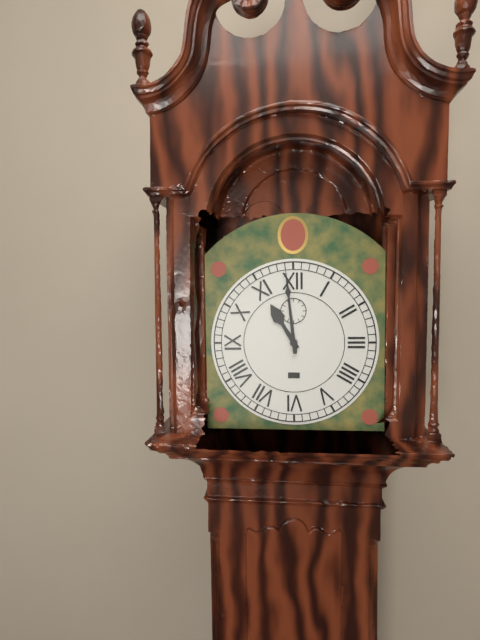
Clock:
10 h 59 min
